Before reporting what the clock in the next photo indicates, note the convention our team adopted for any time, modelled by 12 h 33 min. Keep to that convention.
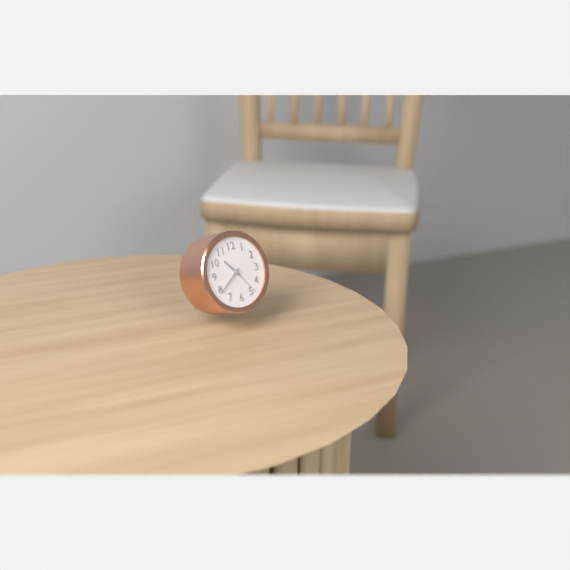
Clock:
10 h 39 min
